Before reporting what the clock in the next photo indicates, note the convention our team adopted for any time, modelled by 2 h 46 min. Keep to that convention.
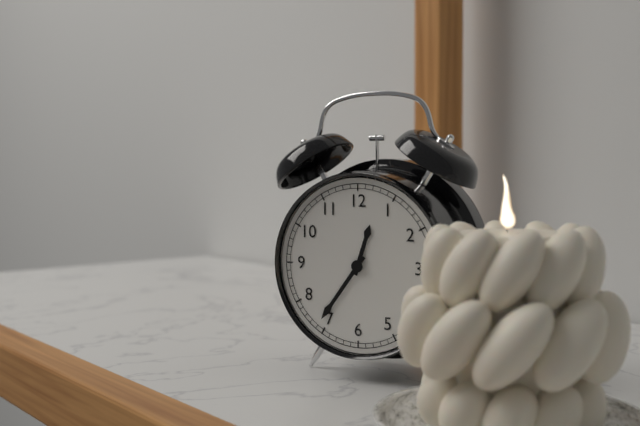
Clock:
12 h 36 min
